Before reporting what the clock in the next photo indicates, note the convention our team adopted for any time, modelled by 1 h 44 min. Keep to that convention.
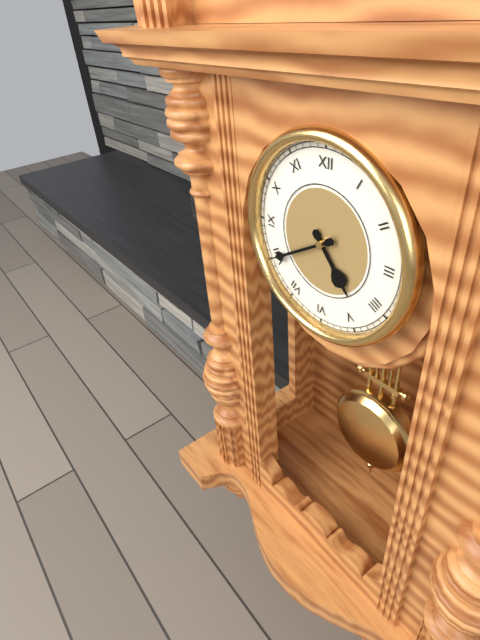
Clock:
4 h 40 min
